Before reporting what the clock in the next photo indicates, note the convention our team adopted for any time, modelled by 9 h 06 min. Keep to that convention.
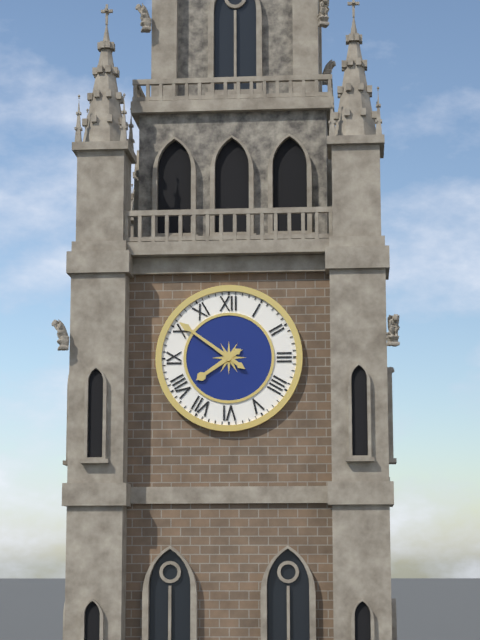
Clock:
7 h 51 min
